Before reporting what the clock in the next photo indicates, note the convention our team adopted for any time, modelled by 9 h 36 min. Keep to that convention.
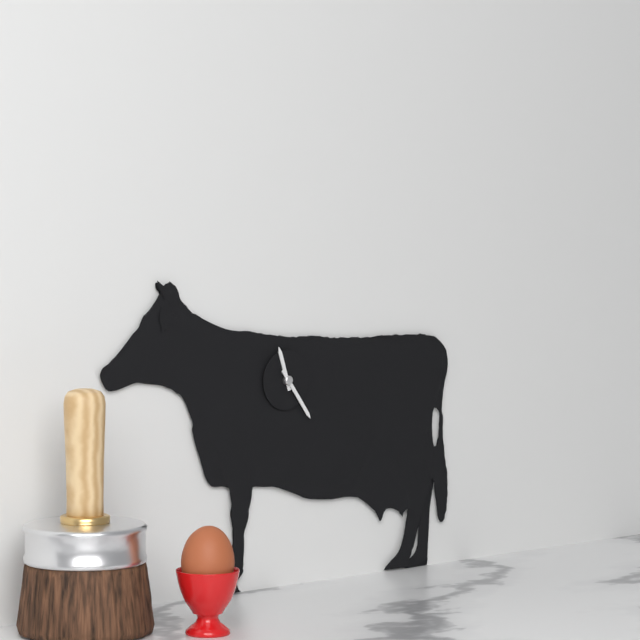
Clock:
11 h 24 min
